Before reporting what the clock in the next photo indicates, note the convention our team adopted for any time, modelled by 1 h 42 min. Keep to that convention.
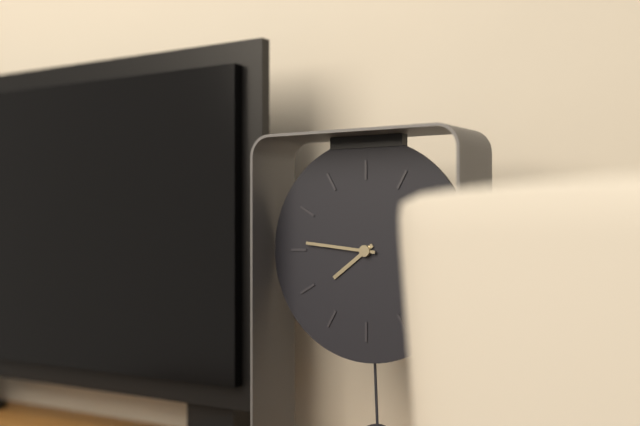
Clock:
7 h 46 min
